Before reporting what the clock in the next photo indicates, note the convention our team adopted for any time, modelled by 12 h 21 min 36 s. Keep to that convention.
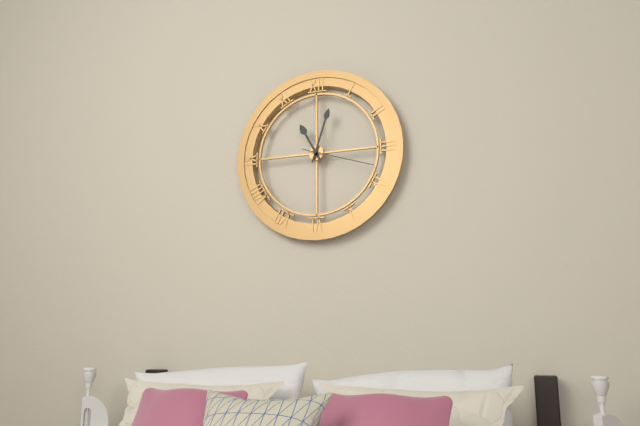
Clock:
11 h 03 min 18 s
